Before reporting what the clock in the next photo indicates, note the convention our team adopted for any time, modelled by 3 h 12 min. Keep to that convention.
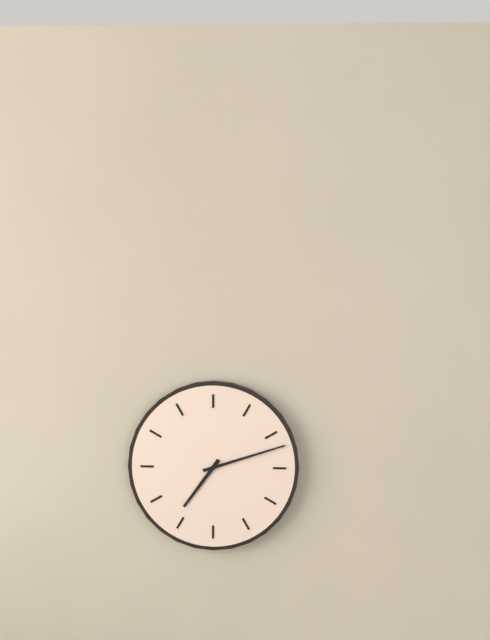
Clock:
7 h 12 min
